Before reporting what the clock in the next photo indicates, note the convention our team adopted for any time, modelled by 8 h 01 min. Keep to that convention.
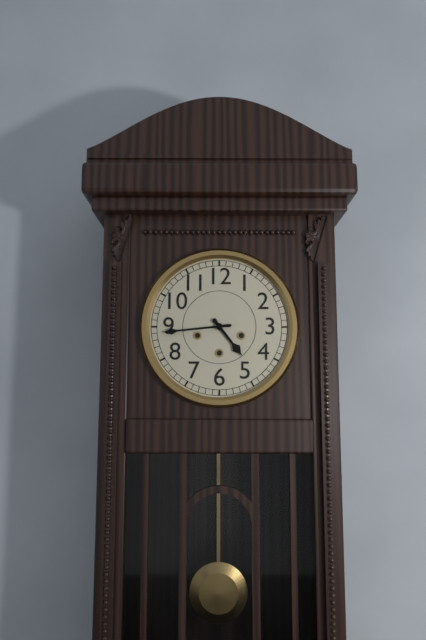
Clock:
4 h 44 min
